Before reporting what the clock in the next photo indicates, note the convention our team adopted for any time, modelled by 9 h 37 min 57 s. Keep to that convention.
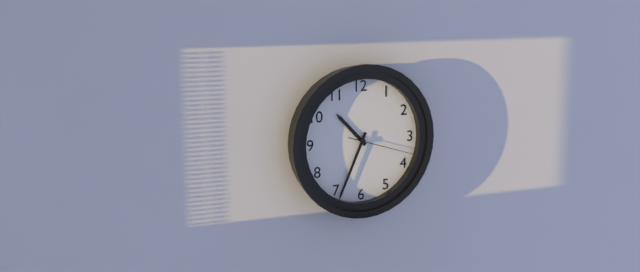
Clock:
10 h 34 min 18 s
